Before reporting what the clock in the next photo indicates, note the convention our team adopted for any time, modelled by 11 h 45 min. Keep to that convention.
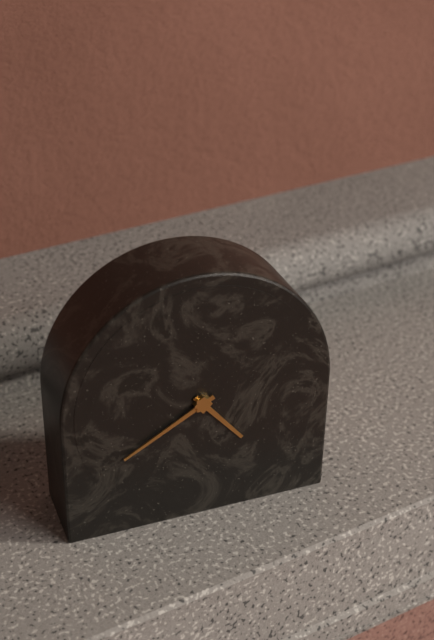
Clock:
4 h 40 min
